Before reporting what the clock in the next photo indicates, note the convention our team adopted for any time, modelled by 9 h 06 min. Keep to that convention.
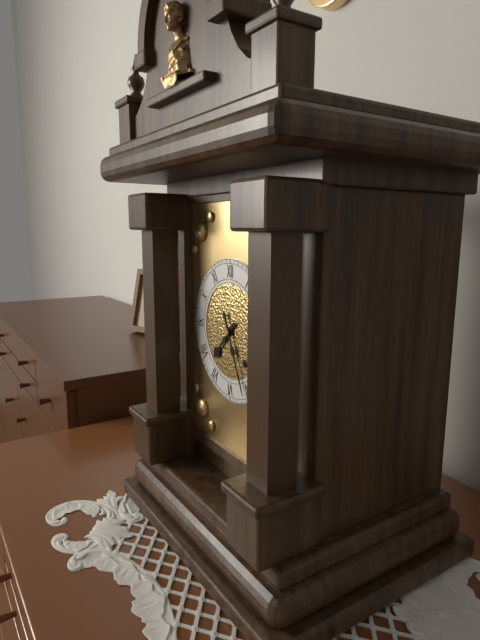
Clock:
7 h 26 min
